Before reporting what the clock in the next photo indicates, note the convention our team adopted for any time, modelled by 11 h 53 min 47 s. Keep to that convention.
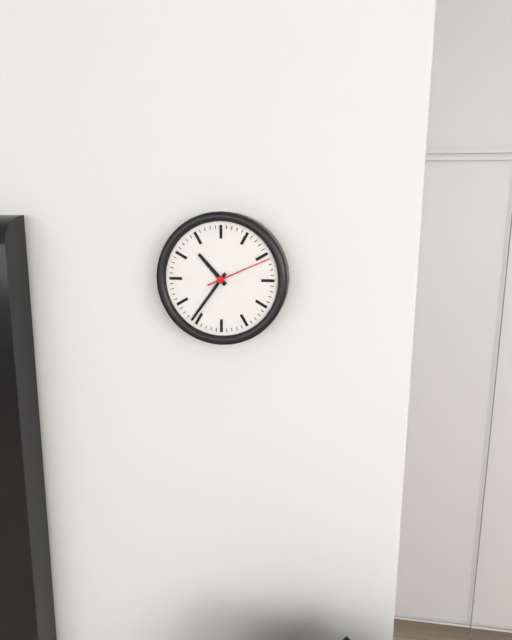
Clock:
10 h 36 min 11 s
